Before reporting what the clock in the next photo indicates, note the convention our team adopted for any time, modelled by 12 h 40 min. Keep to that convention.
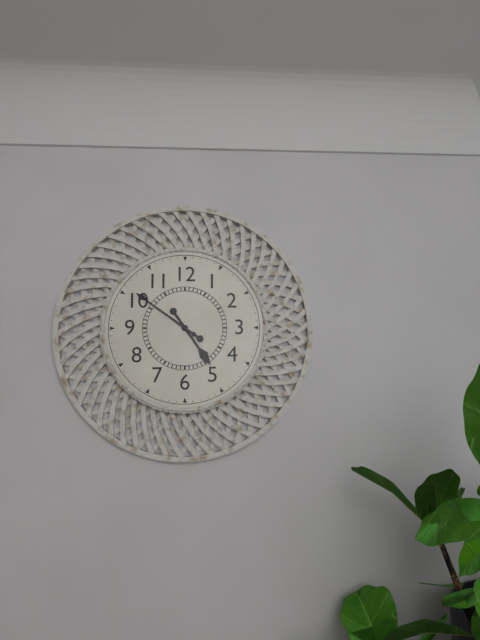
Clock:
4 h 51 min
